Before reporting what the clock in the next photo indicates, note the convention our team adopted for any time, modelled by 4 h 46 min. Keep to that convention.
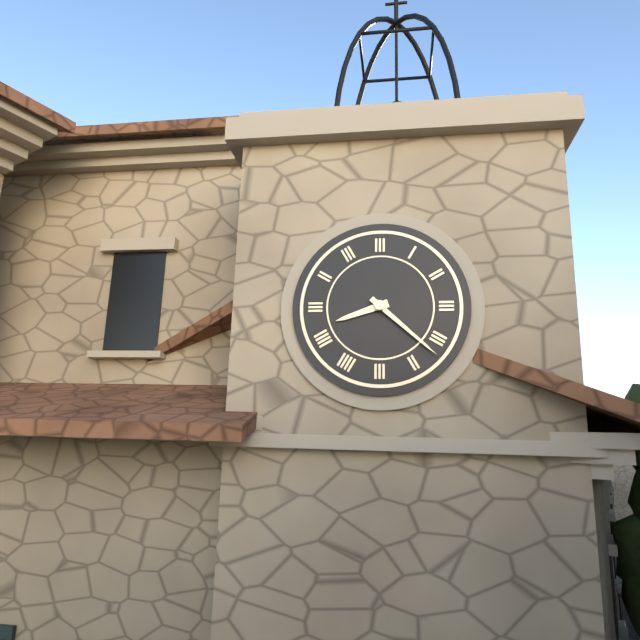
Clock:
8 h 22 min
